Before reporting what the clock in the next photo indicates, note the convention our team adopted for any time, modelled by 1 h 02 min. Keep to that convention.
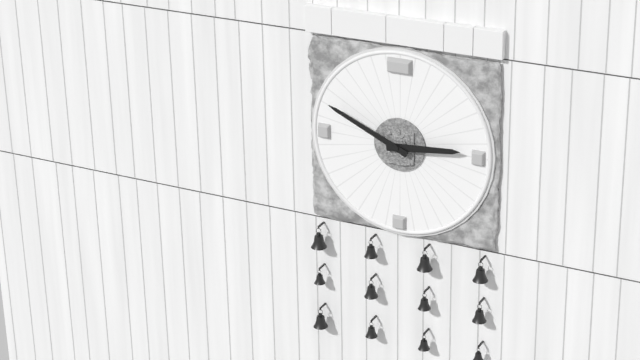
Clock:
2 h 49 min
